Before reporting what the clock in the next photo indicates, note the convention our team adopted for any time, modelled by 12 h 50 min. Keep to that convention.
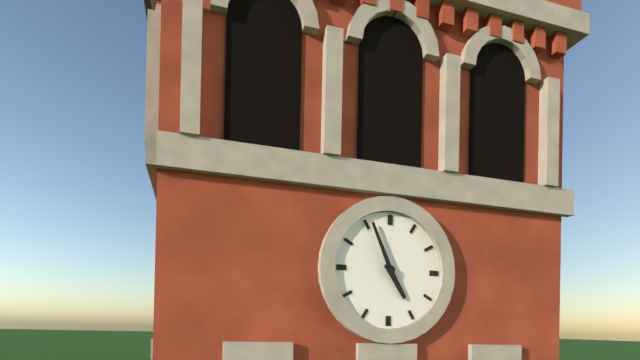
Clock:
4 h 56 min
